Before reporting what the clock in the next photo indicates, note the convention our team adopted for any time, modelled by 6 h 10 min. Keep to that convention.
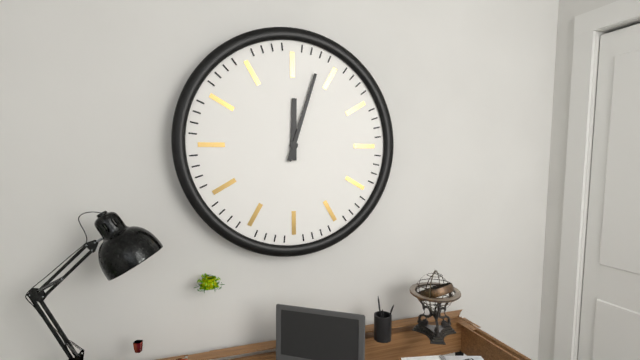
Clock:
12 h 03 min
